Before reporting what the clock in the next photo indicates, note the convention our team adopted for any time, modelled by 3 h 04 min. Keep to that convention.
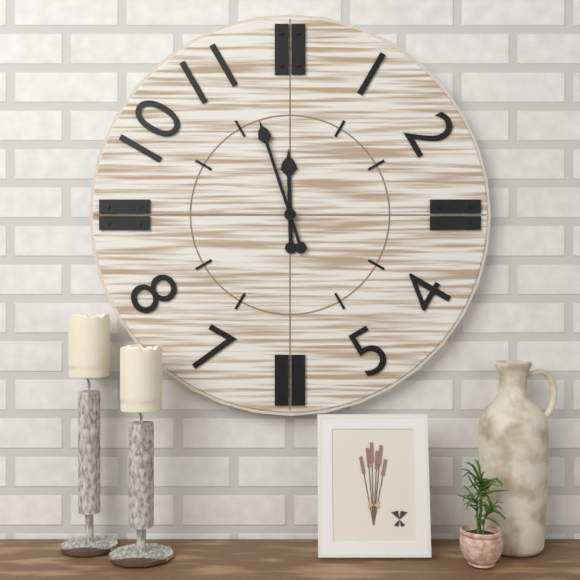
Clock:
11 h 57 min
